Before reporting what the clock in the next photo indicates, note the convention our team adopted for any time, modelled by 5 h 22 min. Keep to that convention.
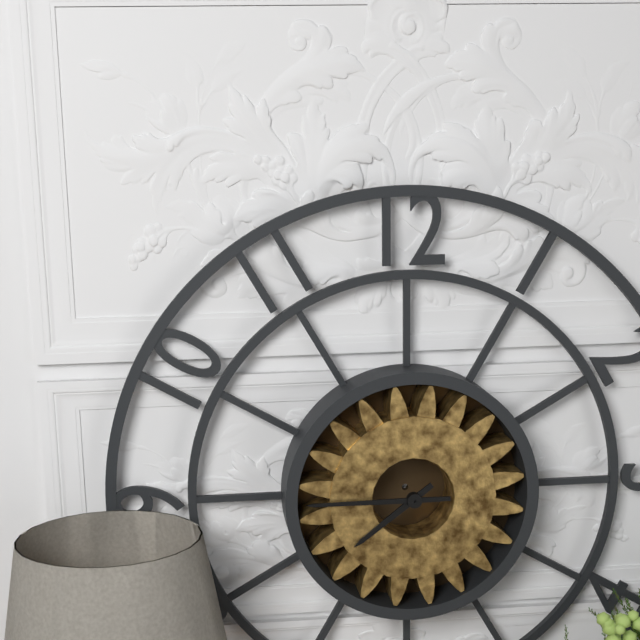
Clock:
7 h 45 min
